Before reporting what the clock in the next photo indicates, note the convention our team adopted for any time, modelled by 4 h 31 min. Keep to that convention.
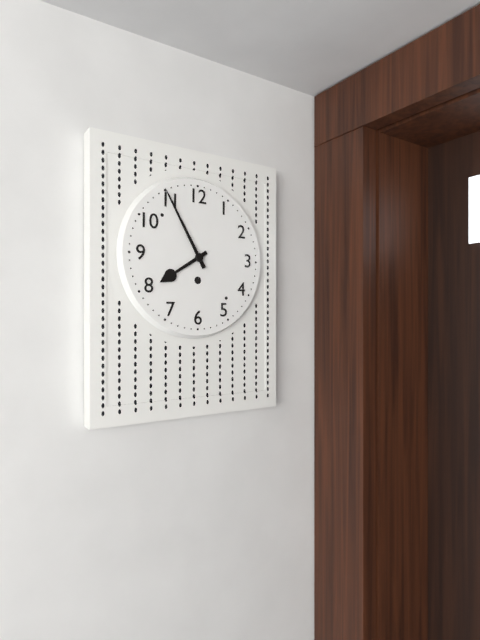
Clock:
7 h 55 min
